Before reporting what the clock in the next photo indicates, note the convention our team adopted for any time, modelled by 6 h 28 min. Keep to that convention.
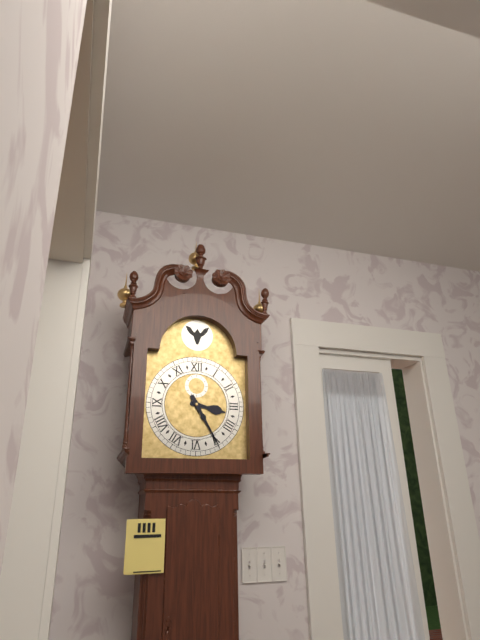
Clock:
3 h 25 min
